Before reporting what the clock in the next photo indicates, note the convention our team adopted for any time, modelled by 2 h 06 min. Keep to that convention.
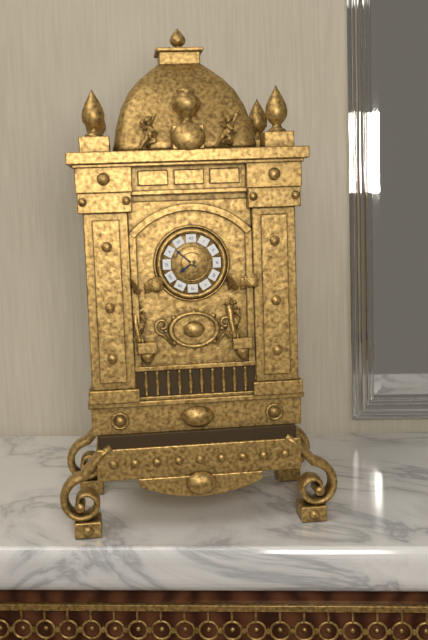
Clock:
7 h 52 min
